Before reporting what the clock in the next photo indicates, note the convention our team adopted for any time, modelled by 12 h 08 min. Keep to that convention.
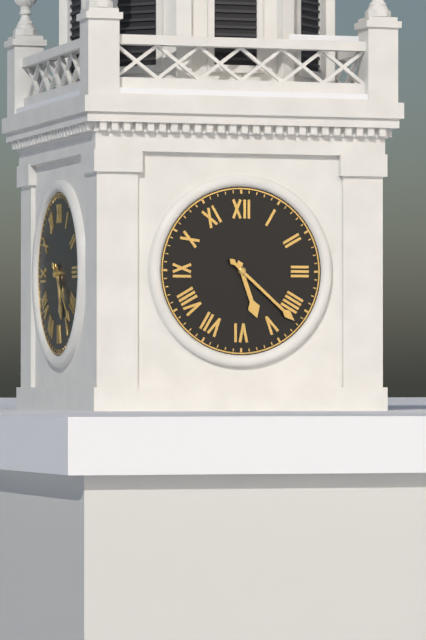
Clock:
5 h 22 min
